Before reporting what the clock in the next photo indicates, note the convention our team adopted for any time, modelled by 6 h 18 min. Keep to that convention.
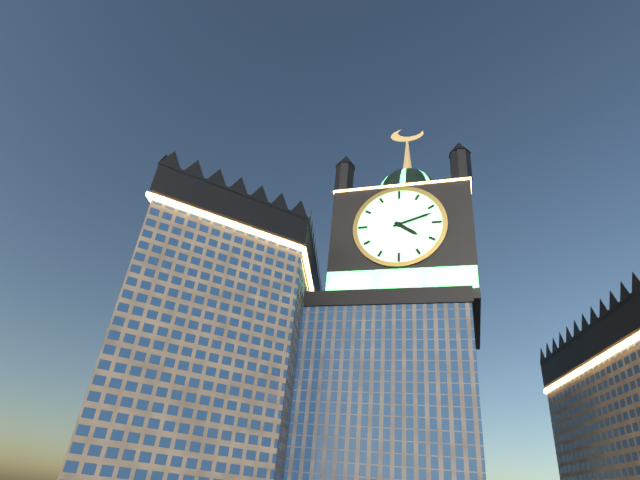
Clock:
4 h 12 min
